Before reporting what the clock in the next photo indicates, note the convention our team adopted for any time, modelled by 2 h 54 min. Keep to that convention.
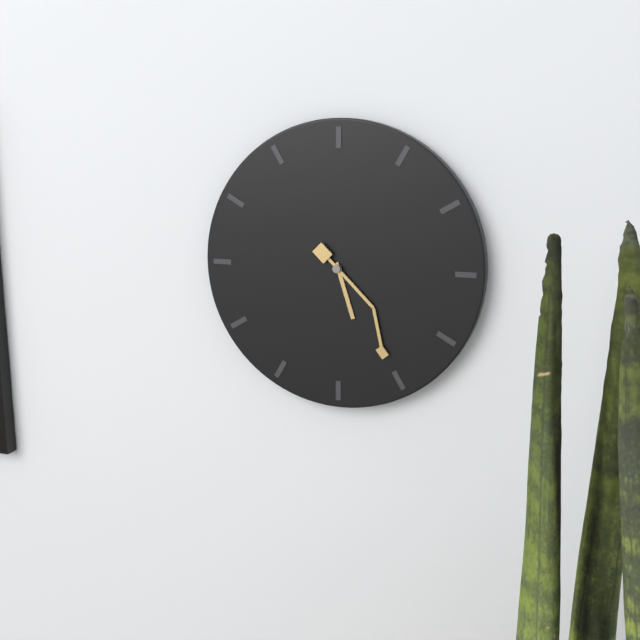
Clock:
5 h 25 min
